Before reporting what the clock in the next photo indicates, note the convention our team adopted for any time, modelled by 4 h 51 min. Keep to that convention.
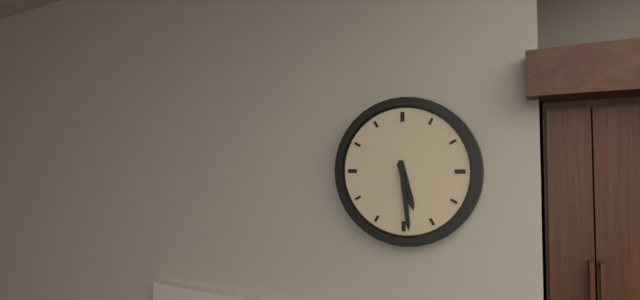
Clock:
5 h 29 min
